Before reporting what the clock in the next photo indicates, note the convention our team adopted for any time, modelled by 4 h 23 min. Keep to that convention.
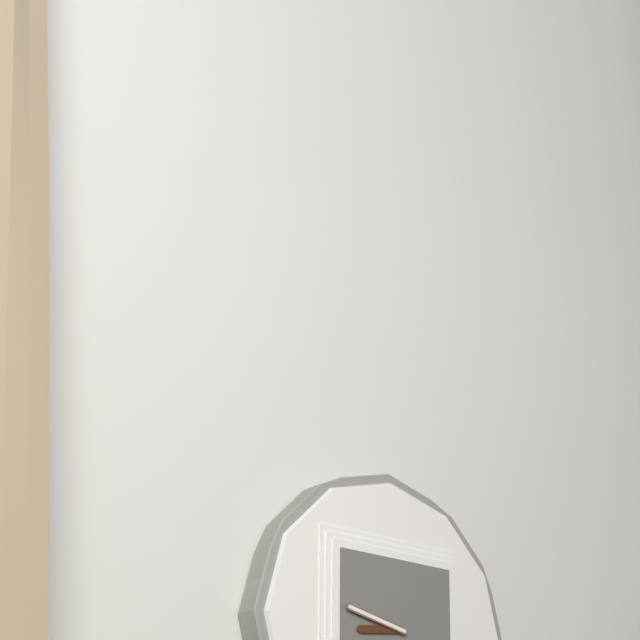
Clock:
8 h 47 min
